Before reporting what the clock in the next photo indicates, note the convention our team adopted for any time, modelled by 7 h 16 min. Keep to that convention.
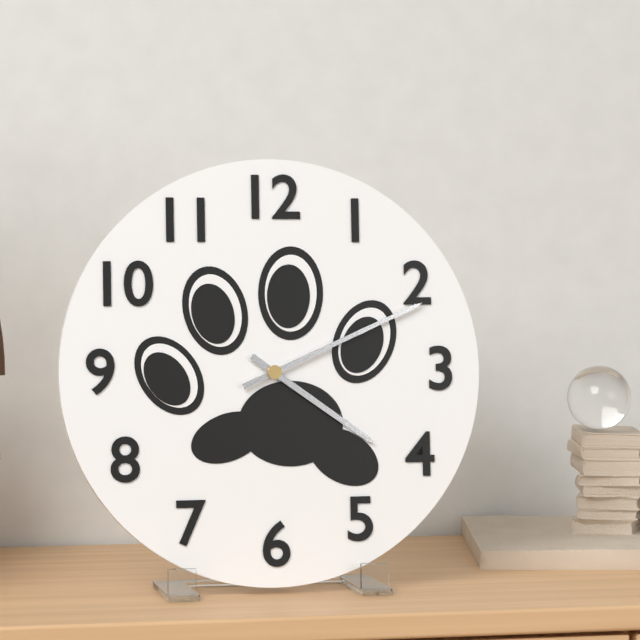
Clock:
4 h 11 min
